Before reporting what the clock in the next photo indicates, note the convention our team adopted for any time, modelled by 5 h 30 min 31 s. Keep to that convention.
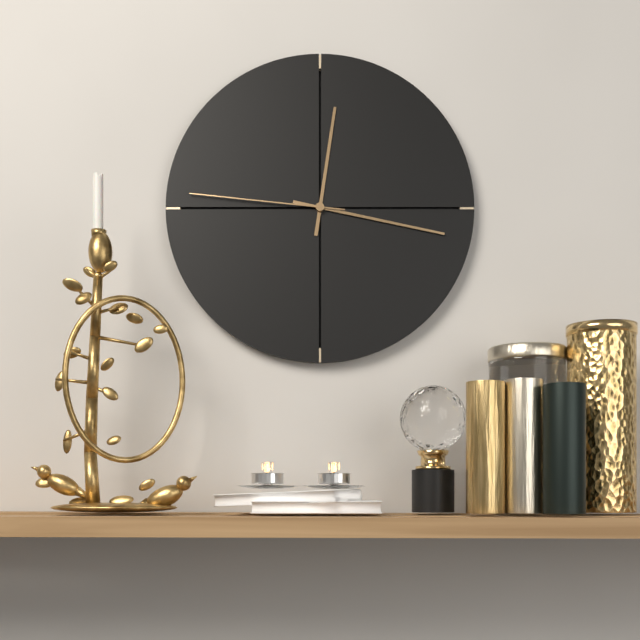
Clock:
12 h 17 min 46 s
